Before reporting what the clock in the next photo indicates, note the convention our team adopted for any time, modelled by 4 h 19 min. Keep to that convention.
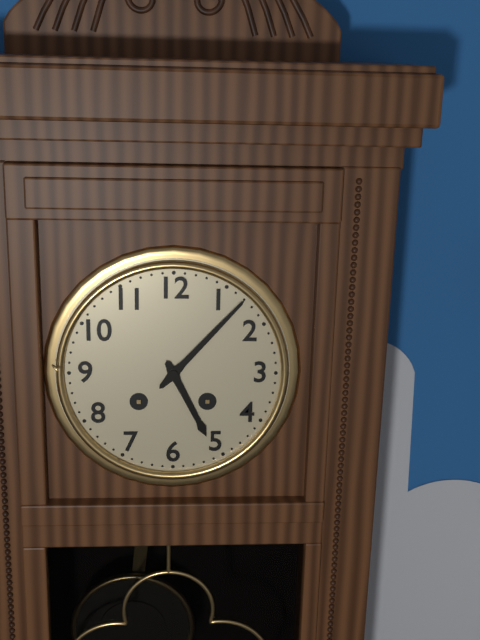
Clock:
5 h 07 min
